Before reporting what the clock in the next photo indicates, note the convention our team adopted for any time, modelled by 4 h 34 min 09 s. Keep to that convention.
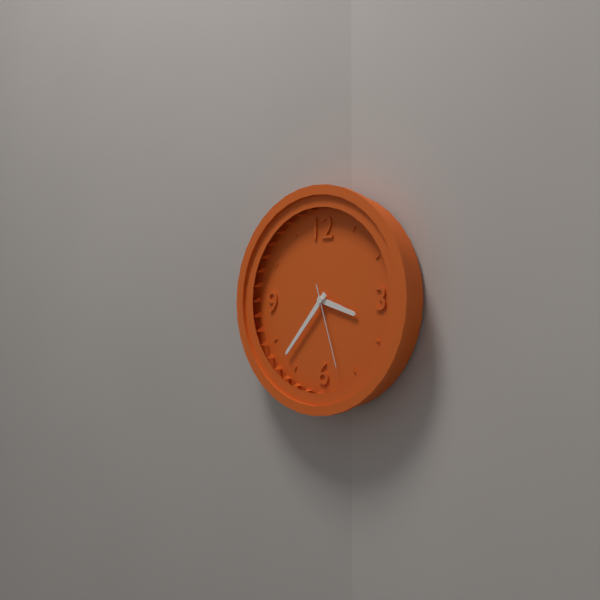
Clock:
3 h 37 min 27 s
